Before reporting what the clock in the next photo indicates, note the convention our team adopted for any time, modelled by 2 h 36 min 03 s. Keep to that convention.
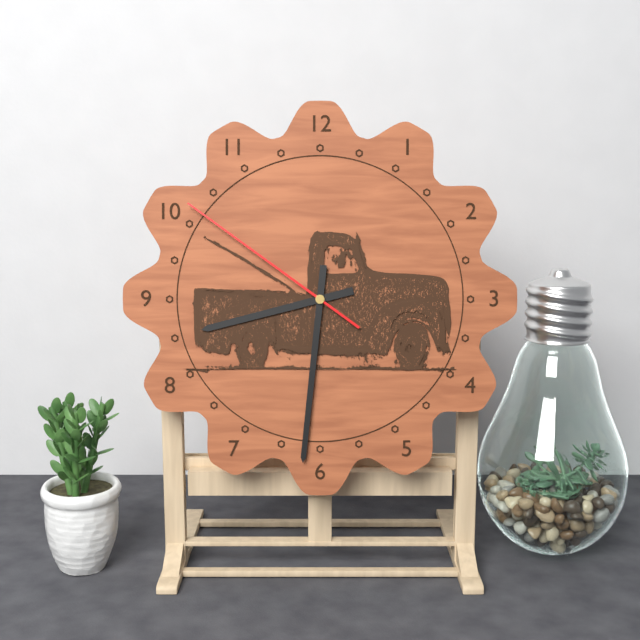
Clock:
8 h 31 min 51 s
